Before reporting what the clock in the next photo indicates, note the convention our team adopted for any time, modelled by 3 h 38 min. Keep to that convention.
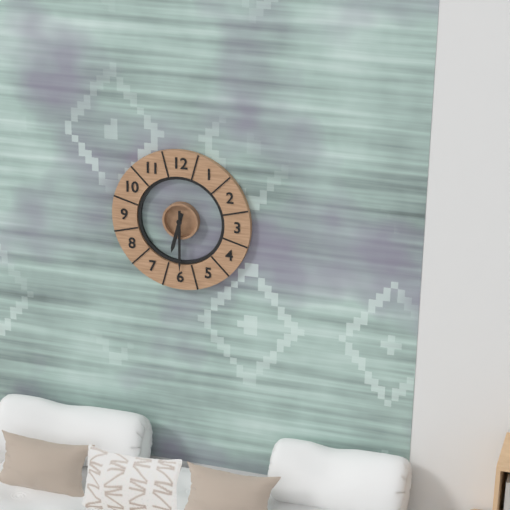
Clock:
6 h 30 min
